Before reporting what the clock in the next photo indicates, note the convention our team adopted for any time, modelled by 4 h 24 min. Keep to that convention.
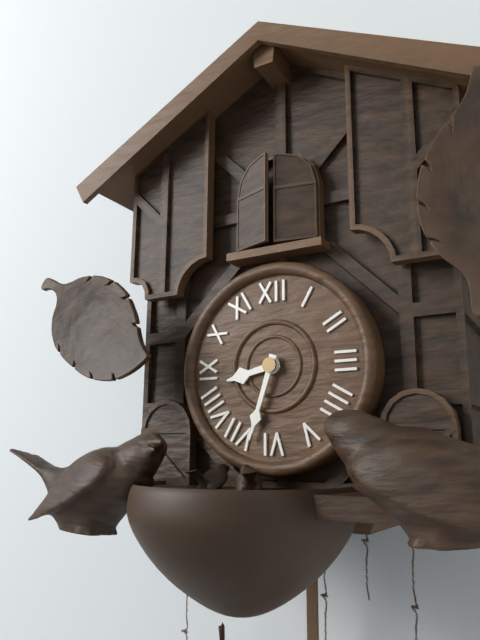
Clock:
8 h 33 min
